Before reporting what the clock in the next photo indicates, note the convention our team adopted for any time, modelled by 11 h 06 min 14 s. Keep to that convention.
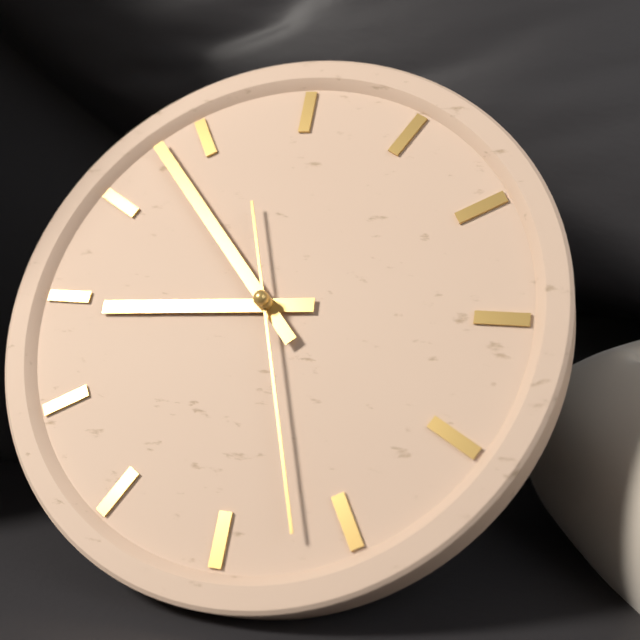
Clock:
8 h 53 min 27 s
